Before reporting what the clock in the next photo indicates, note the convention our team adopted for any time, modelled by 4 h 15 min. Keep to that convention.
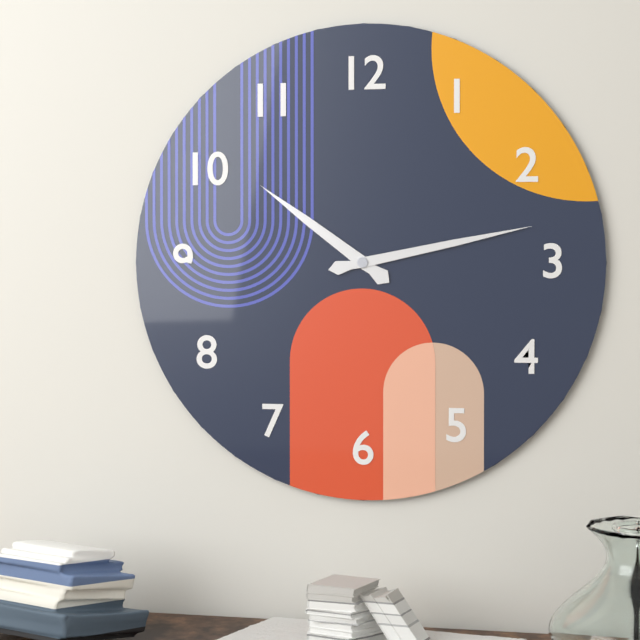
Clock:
10 h 13 min
